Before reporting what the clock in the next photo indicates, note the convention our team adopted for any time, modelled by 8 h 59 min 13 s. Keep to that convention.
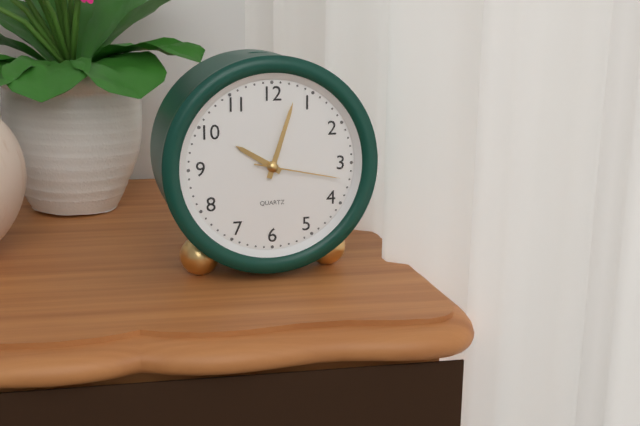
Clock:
10 h 03 min 17 s
